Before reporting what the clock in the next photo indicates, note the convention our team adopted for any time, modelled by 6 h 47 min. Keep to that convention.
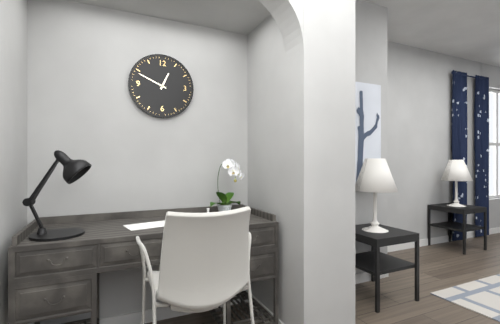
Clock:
12 h 49 min
